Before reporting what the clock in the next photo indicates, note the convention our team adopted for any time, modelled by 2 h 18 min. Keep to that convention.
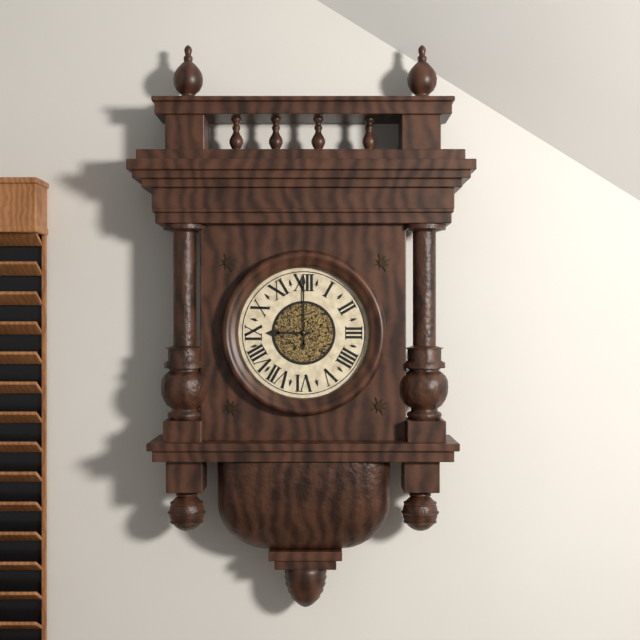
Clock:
9 h 00 min
